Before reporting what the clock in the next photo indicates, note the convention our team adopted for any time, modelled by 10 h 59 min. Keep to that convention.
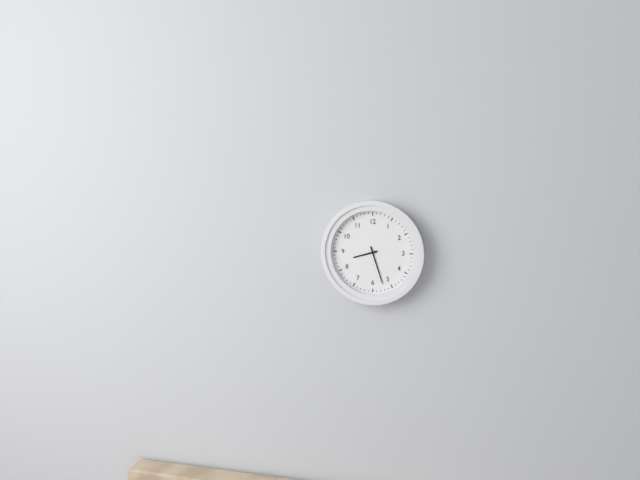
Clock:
8 h 27 min
